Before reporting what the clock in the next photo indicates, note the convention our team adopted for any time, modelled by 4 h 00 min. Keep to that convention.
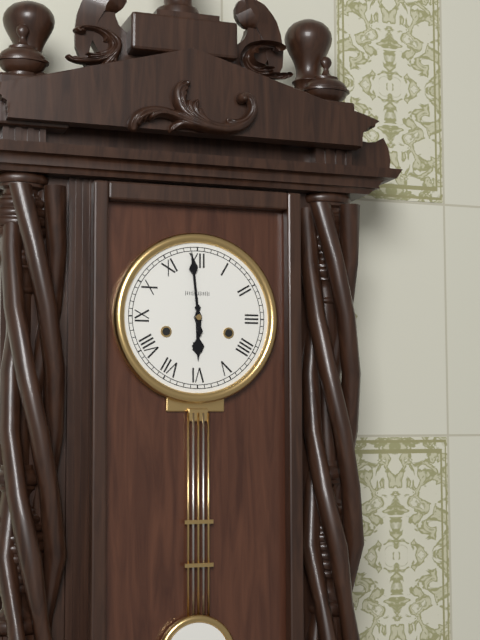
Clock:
5 h 59 min
